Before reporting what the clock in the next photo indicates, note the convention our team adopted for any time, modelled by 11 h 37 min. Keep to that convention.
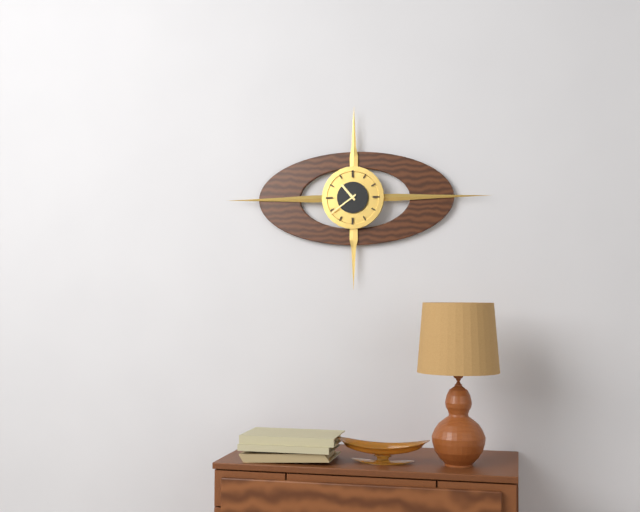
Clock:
10 h 39 min
